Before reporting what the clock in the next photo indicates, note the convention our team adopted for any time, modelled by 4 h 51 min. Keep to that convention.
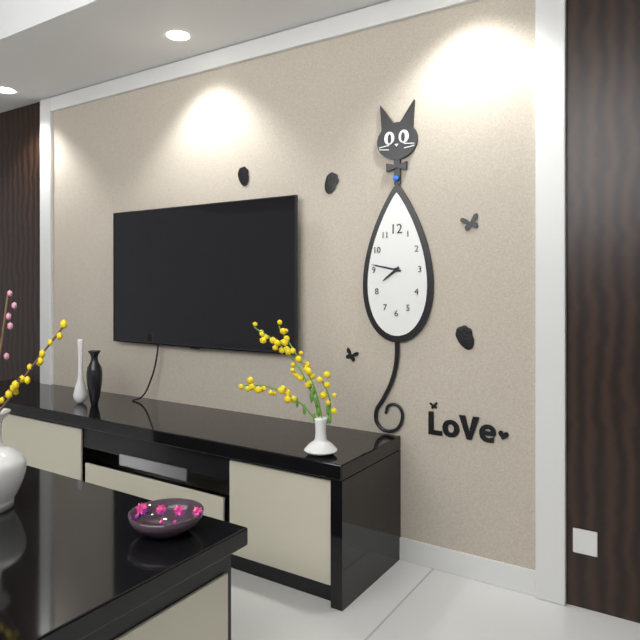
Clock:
7 h 47 min
